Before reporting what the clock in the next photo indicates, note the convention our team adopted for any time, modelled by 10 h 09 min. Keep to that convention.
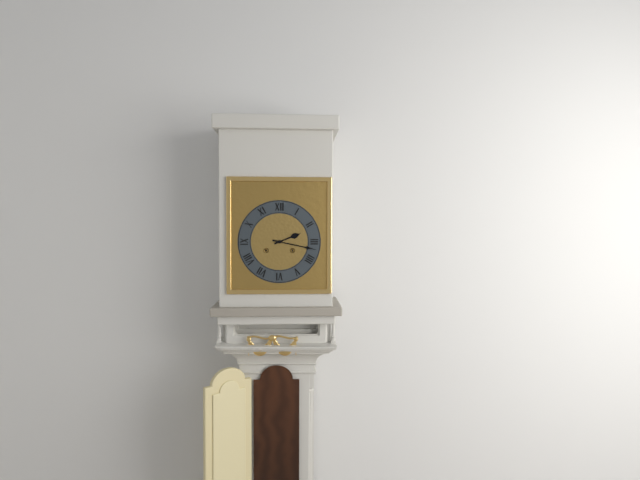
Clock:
2 h 17 min
